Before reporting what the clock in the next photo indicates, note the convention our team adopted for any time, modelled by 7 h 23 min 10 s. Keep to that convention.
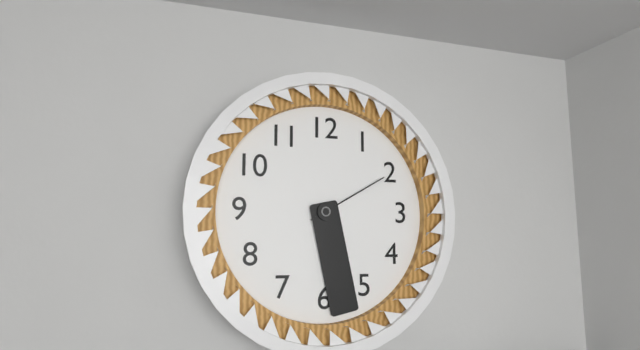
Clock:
5 h 28 min 10 s
